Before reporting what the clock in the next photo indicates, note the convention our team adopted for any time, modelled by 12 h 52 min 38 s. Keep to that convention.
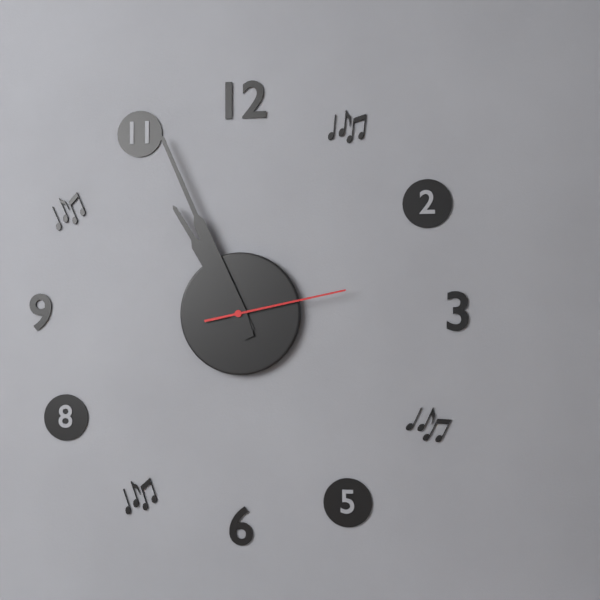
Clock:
10 h 56 min 13 s
